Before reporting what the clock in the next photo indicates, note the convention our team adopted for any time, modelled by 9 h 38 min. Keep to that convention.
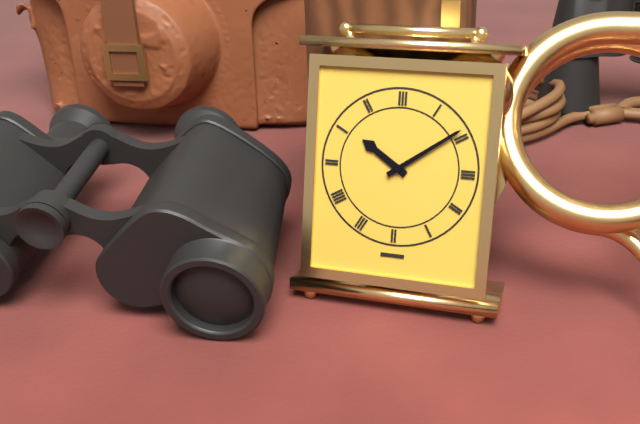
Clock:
10 h 09 min
